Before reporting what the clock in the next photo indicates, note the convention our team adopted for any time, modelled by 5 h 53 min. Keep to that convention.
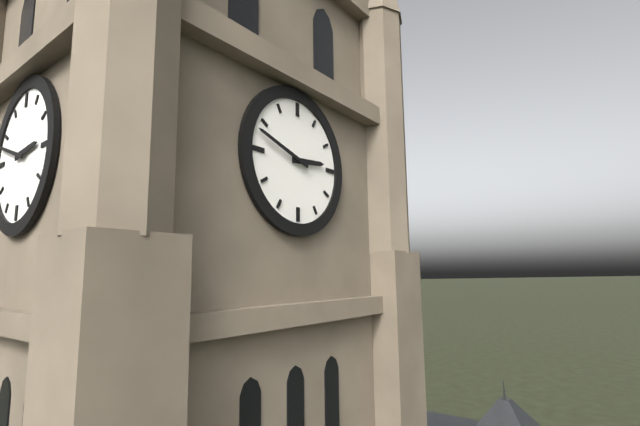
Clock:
2 h 48 min
